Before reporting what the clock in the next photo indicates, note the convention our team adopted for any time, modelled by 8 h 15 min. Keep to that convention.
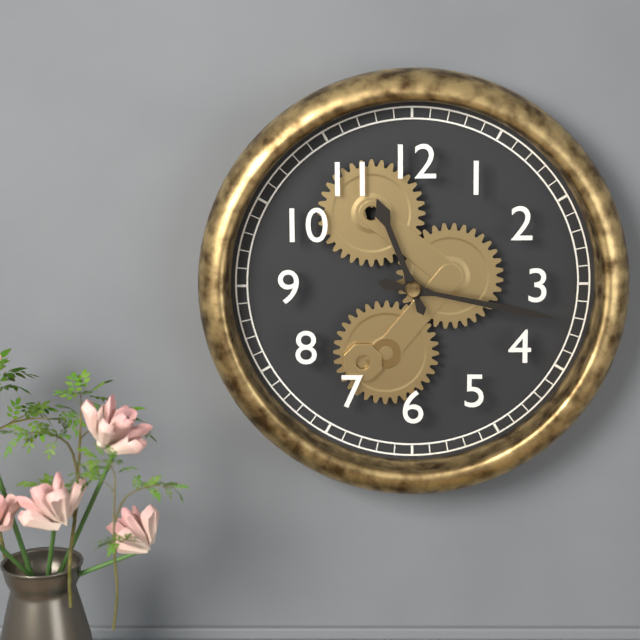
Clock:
11 h 17 min
